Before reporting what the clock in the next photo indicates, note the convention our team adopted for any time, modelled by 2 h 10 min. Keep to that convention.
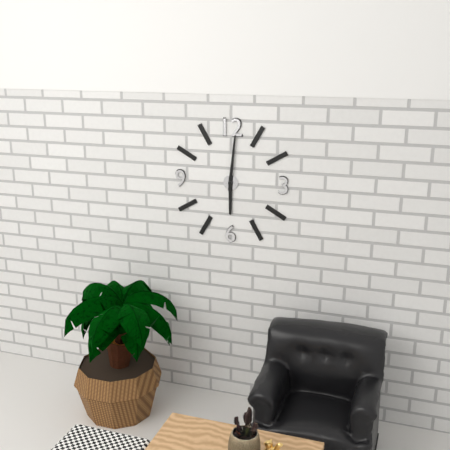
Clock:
6 h 01 min
